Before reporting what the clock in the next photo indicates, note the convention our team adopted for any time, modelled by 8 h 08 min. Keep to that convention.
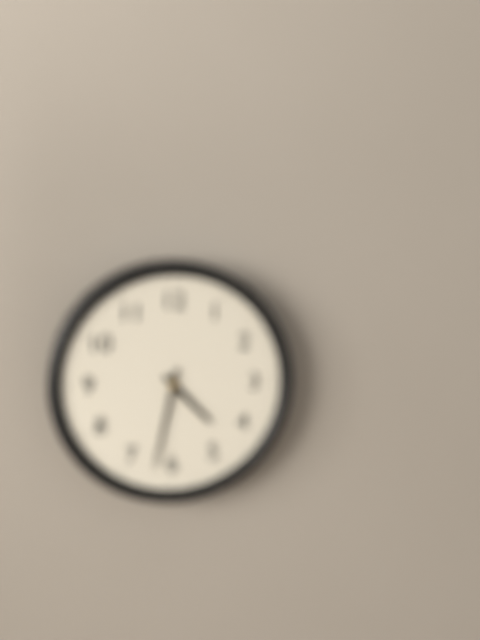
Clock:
4 h 32 min
